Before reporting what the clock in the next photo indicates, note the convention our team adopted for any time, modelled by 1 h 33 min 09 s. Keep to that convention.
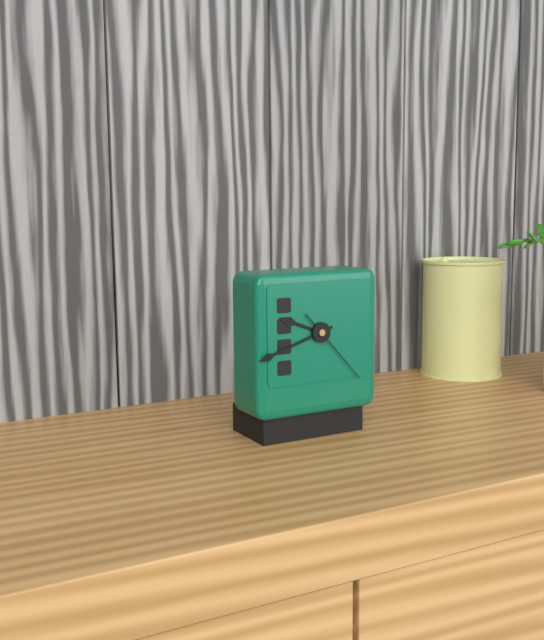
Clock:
9 h 42 min 23 s
